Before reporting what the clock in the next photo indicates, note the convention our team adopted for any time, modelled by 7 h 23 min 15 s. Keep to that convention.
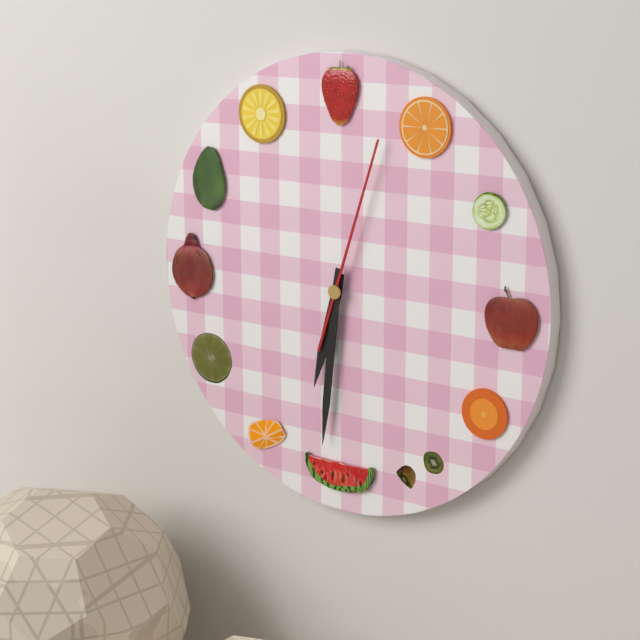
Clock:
6 h 31 min 03 s
